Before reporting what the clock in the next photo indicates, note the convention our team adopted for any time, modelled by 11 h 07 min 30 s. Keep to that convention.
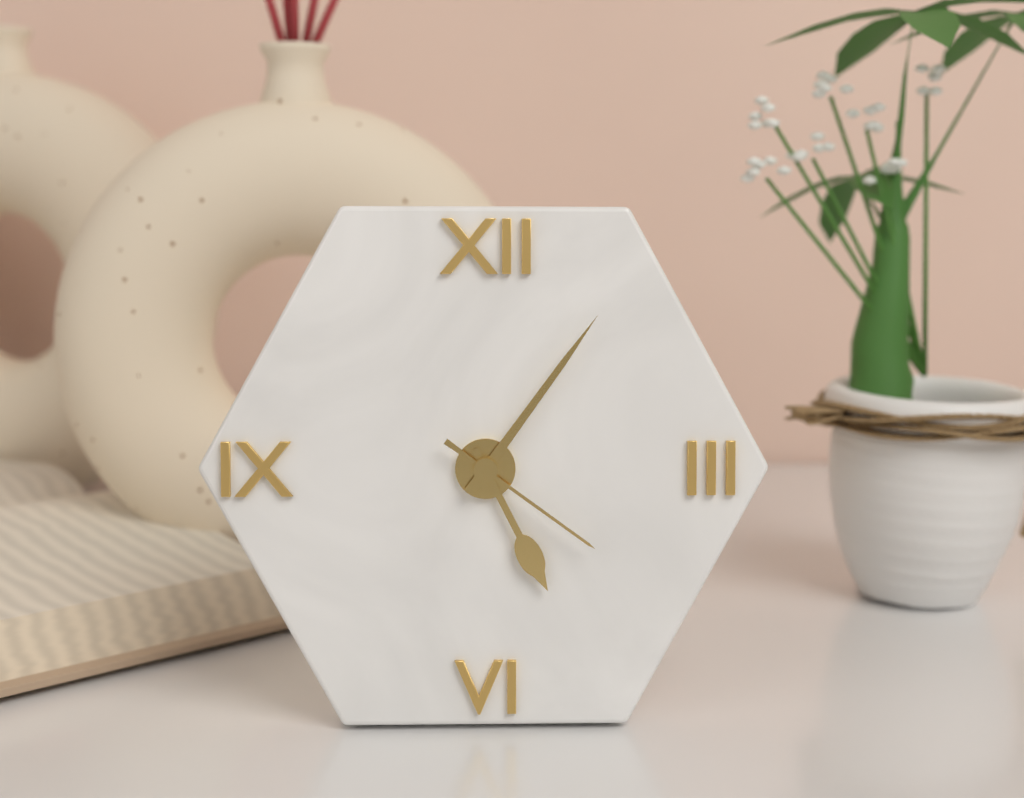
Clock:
5 h 06 min 21 s
